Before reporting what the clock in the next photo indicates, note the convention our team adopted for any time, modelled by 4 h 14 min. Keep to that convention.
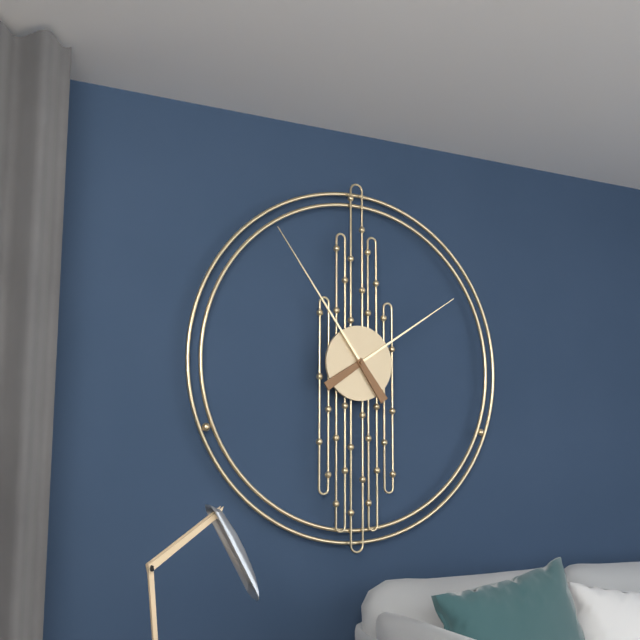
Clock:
1 h 54 min
